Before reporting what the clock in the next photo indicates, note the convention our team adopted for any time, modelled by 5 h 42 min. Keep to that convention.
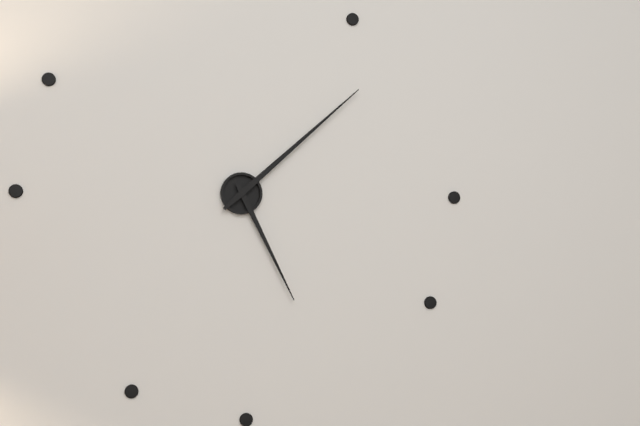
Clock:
5 h 08 min
